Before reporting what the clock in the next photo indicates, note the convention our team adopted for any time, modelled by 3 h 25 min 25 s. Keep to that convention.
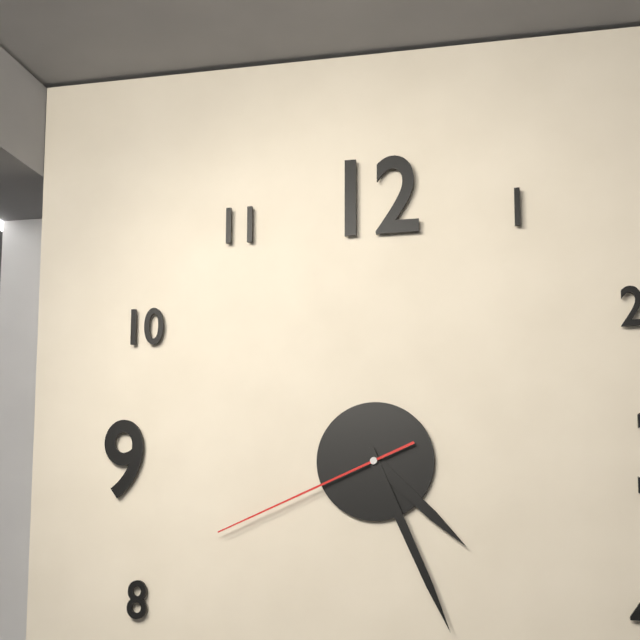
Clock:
4 h 26 min 41 s
